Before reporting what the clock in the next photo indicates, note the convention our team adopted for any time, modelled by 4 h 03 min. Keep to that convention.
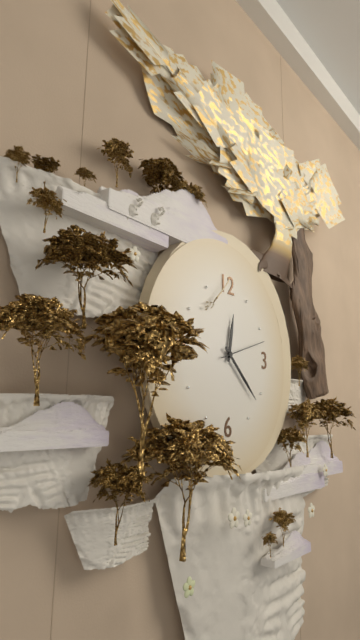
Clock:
12 h 22 min
